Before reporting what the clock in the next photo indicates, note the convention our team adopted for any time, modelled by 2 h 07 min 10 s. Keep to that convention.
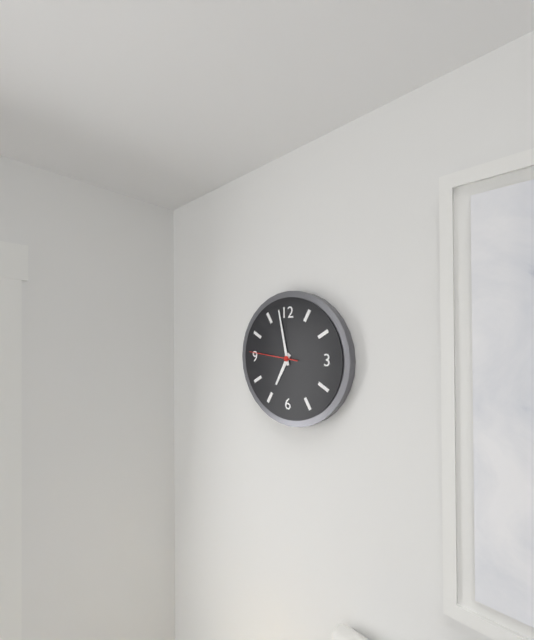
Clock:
6 h 58 min 46 s
